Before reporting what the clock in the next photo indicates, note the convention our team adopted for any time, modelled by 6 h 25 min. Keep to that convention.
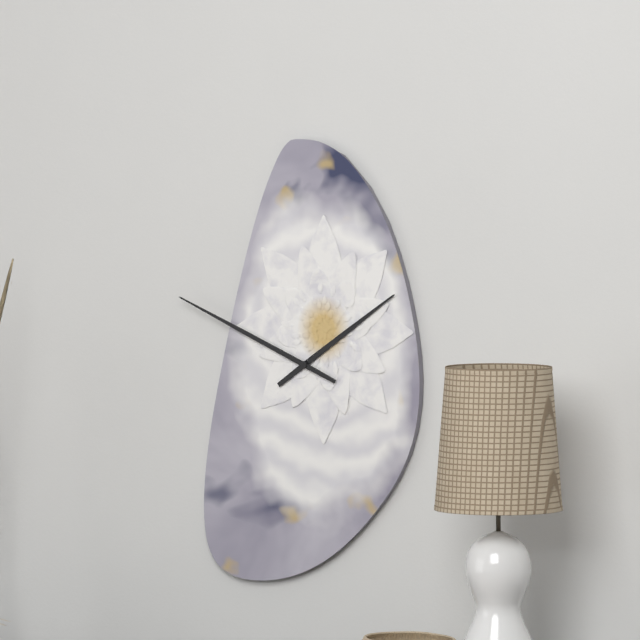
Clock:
1 h 49 min
